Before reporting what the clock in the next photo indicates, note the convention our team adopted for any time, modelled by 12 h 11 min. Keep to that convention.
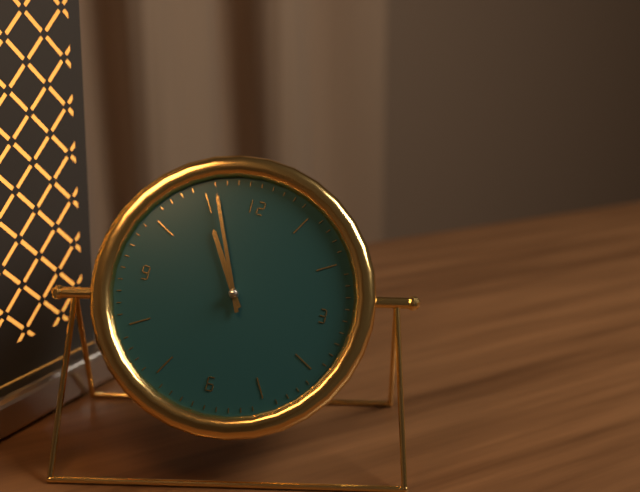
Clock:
10 h 56 min
